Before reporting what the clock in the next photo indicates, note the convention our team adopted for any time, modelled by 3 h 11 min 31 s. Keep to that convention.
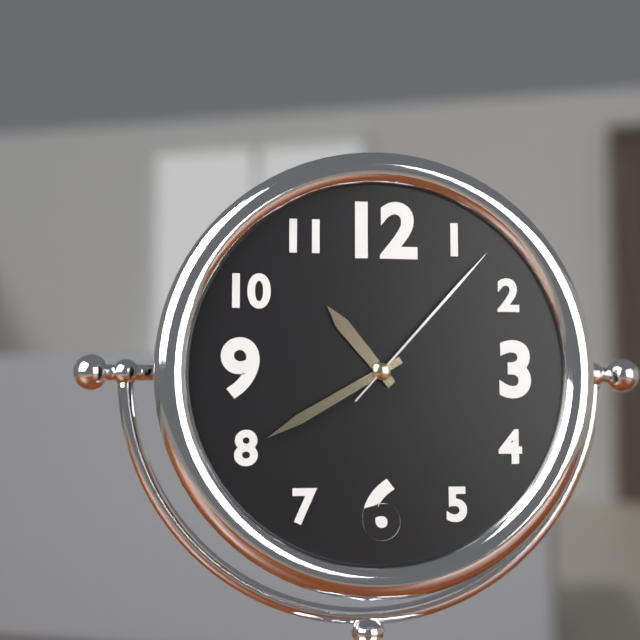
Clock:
10 h 40 min 07 s
